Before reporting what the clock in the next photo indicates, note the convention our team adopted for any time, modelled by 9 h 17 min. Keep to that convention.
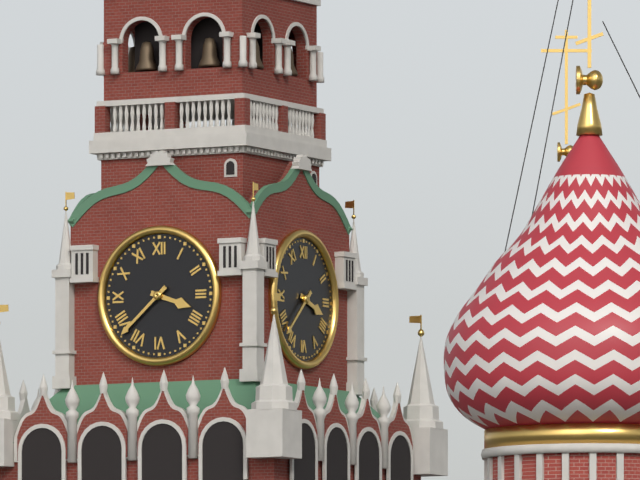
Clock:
3 h 38 min
